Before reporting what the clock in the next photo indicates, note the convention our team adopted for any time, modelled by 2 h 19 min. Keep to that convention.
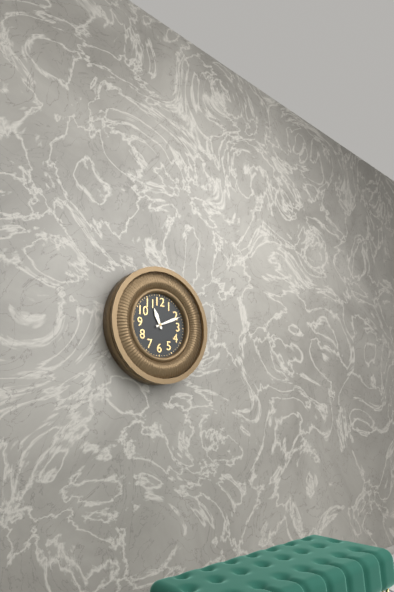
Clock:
11 h 11 min
